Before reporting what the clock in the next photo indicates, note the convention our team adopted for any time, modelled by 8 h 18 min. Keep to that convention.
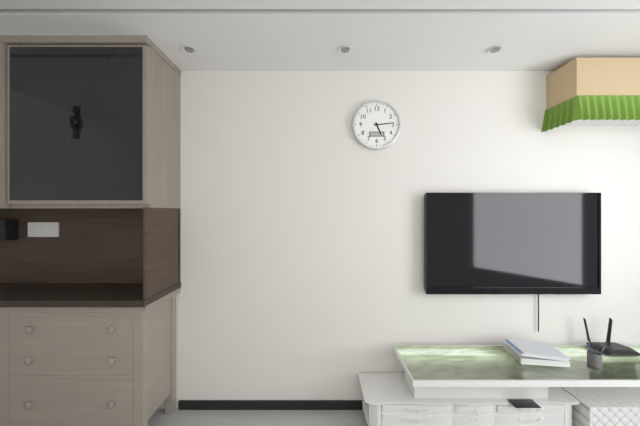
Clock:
5 h 14 min
